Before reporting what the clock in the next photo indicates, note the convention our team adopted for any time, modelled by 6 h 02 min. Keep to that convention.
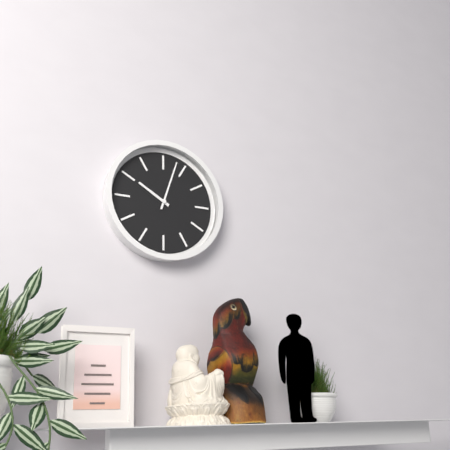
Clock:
10 h 03 min
